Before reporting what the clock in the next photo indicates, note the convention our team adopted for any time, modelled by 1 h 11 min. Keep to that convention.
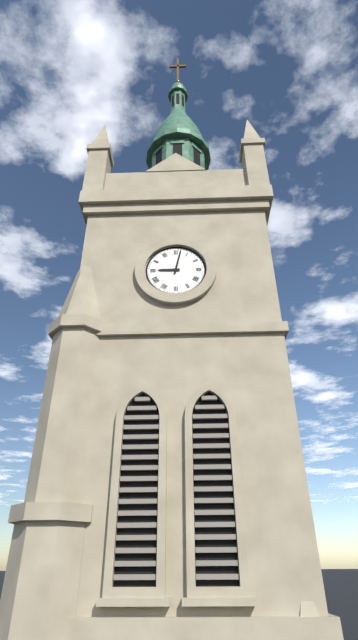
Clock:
9 h 02 min
